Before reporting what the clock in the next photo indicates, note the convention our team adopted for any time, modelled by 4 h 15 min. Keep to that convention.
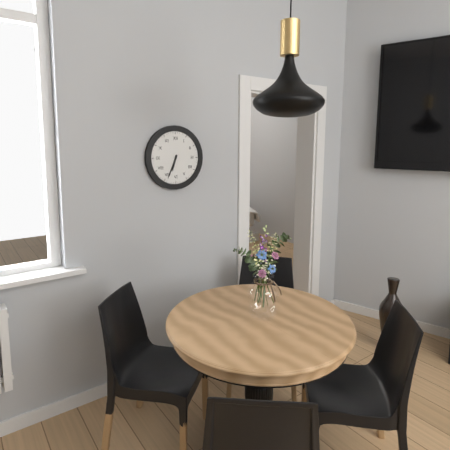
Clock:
6 h 34 min
